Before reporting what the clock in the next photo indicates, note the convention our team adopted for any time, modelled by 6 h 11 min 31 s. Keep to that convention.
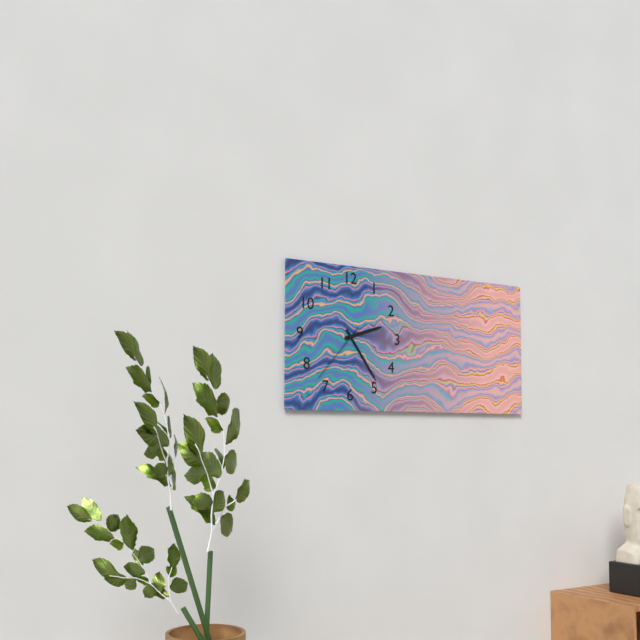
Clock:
2 h 24 min 37 s
